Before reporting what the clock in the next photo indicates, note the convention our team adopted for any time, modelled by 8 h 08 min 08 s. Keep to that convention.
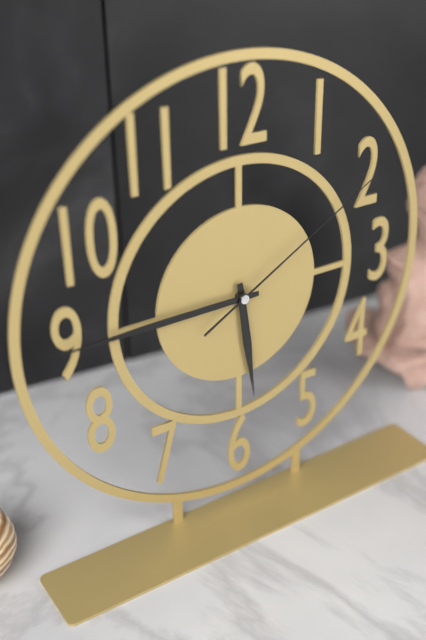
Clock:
5 h 45 min 10 s
